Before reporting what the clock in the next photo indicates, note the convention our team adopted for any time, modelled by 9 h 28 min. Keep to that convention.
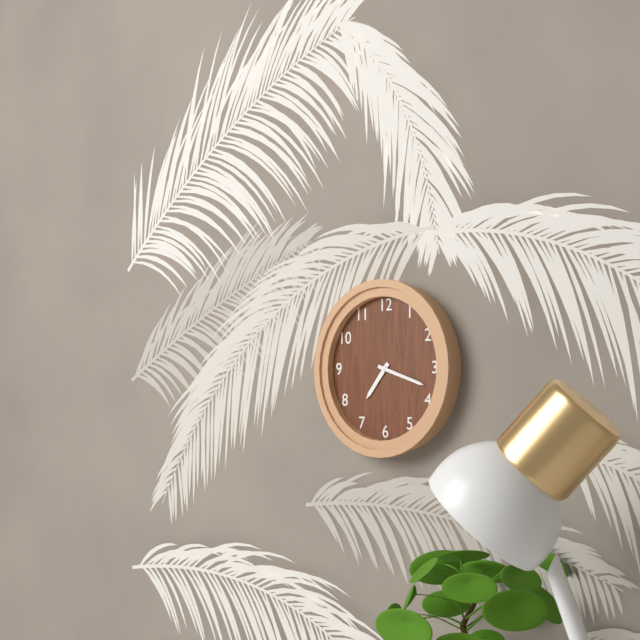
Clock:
7 h 18 min
